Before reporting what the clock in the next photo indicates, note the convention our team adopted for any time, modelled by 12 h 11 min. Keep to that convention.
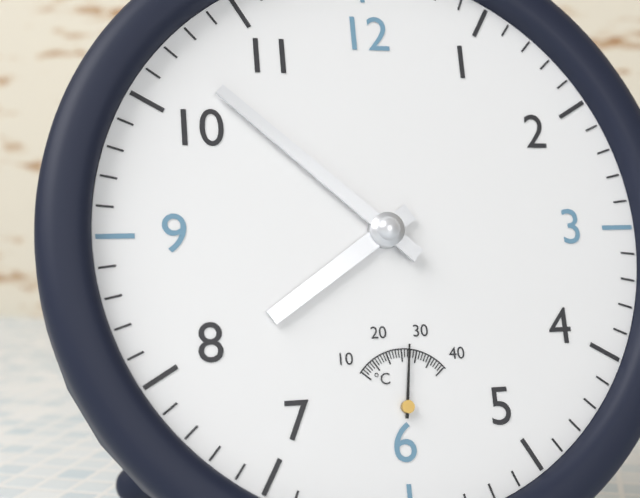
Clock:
7 h 52 min
